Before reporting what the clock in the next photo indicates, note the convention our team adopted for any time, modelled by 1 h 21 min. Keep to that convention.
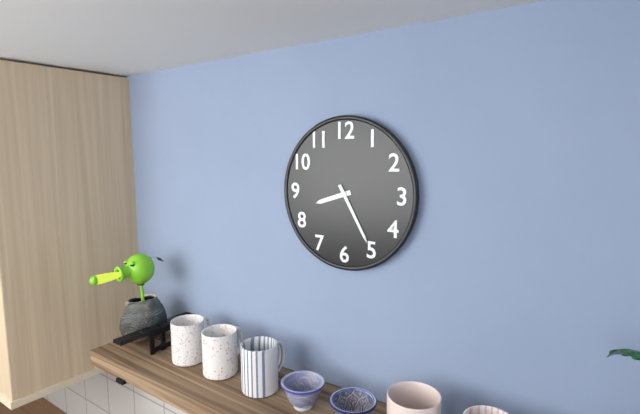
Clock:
8 h 25 min
